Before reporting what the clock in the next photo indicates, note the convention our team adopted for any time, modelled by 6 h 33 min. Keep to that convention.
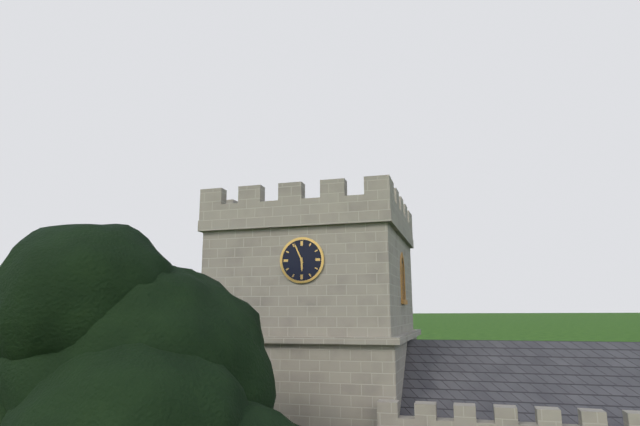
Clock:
5 h 56 min
